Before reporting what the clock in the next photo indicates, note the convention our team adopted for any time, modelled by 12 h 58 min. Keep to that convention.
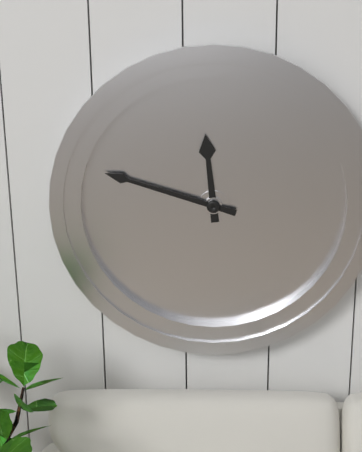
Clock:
11 h 48 min
